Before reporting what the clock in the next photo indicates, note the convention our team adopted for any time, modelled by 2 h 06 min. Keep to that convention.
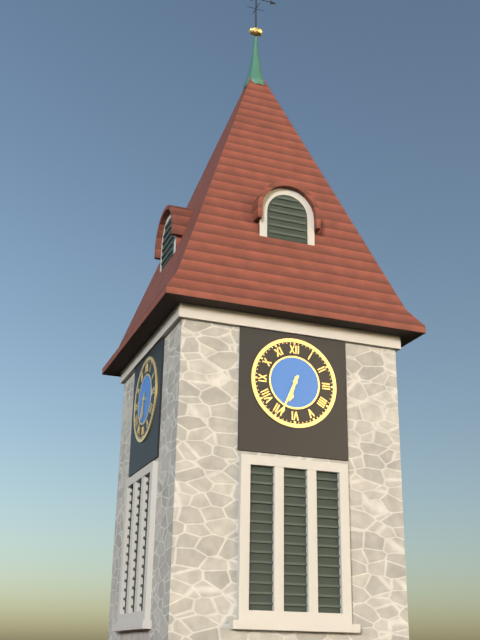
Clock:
6 h 34 min
